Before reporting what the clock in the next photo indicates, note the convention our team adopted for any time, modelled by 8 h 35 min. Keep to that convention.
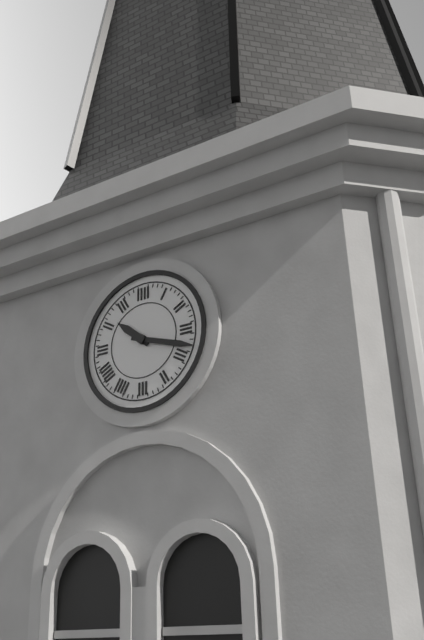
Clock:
10 h 18 min
